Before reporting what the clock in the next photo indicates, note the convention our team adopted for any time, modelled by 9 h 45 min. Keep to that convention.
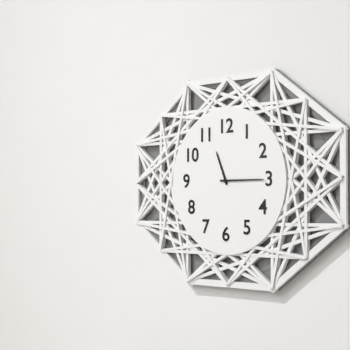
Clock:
11 h 15 min
